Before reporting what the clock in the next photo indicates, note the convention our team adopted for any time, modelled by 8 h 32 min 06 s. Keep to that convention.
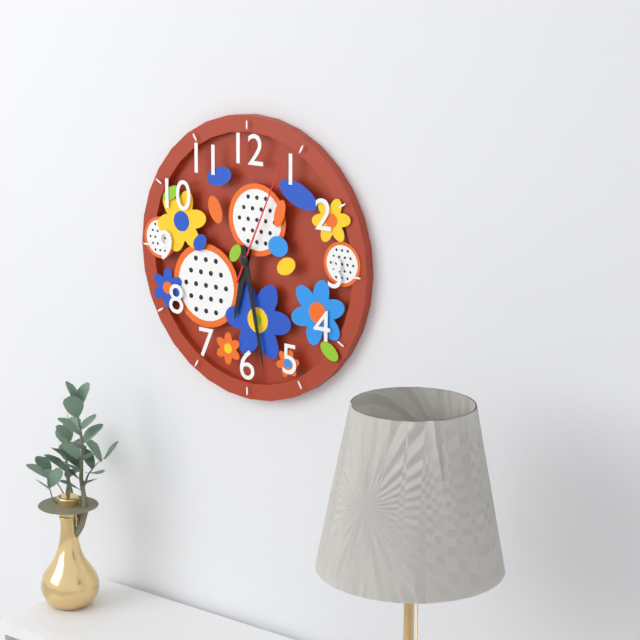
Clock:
6 h 28 min 04 s
